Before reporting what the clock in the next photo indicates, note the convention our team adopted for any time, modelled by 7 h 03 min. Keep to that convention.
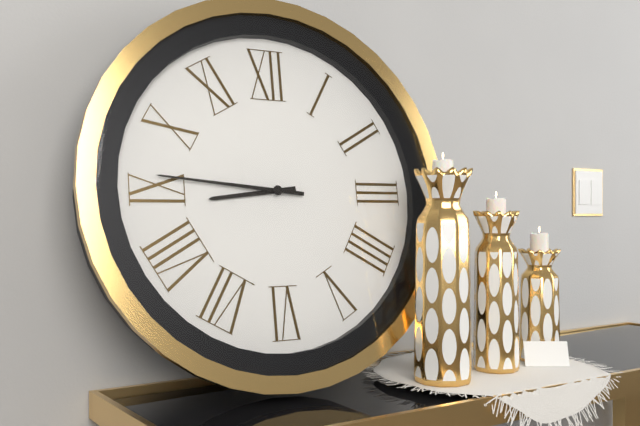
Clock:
8 h 46 min
